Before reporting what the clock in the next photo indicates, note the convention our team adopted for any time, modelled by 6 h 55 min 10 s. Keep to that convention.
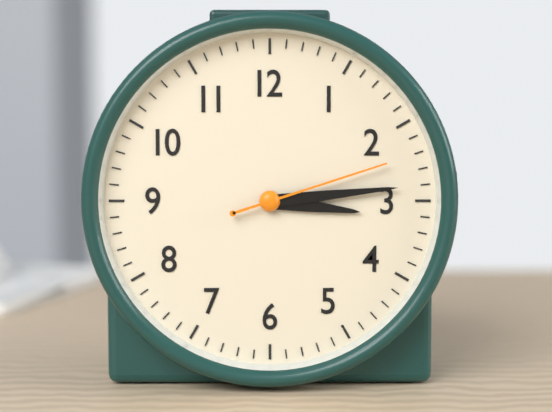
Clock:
3 h 14 min 12 s
